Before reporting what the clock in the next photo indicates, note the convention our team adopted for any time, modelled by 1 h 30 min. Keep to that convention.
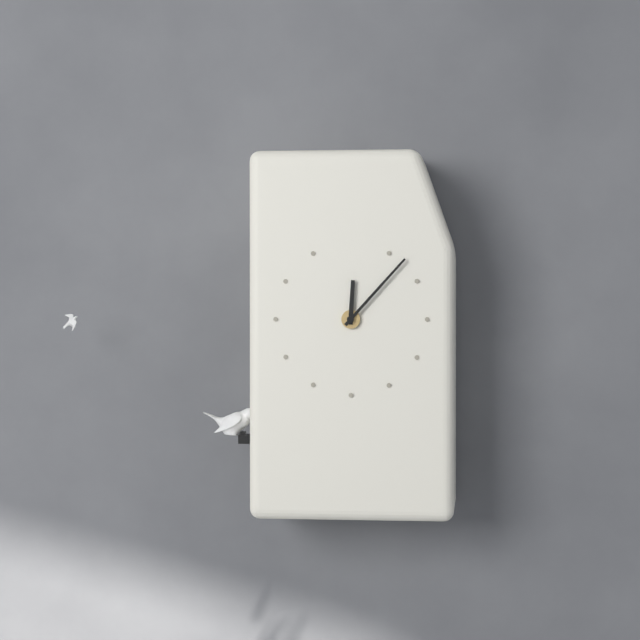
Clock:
12 h 07 min
